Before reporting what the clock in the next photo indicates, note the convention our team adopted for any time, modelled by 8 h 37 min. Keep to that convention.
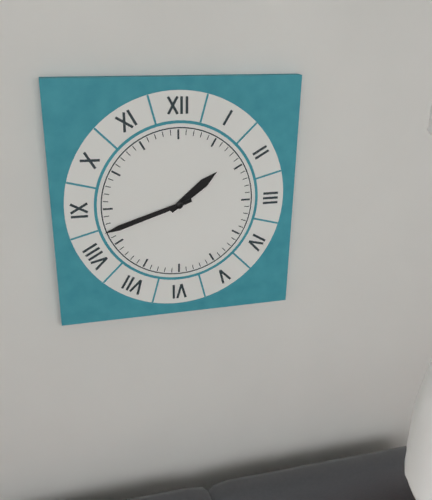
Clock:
1 h 42 min
